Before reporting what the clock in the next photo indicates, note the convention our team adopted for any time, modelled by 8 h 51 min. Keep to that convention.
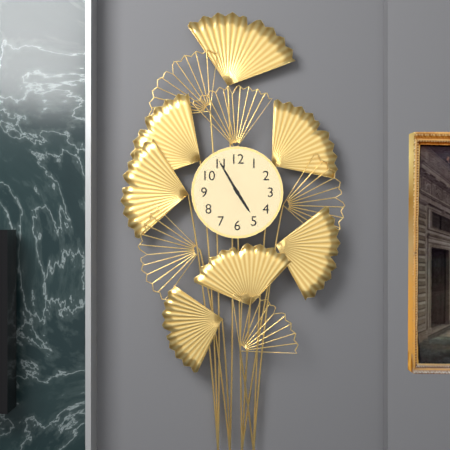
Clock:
4 h 55 min
